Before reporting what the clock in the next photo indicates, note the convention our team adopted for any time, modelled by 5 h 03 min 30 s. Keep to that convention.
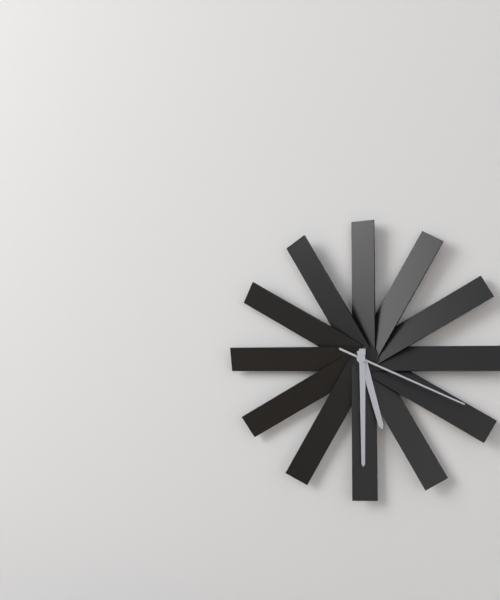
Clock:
5 h 30 min 19 s
